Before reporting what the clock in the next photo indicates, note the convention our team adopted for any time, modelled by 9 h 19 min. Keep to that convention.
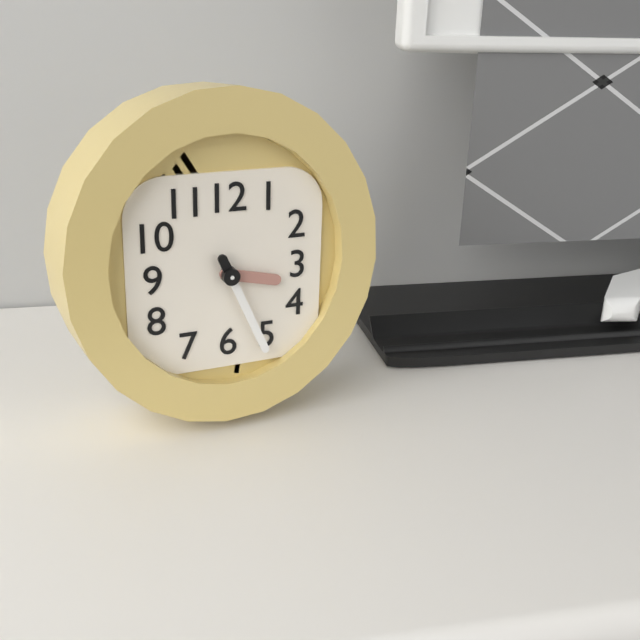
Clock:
3 h 26 min
